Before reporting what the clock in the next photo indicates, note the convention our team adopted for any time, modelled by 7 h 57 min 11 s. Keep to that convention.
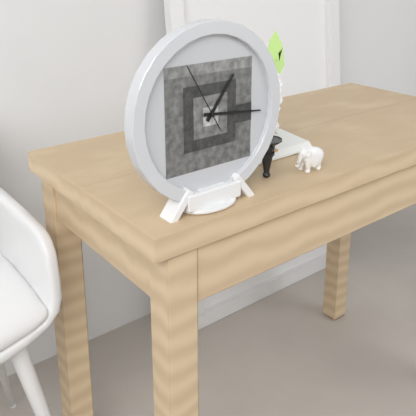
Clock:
1 h 16 min 55 s
